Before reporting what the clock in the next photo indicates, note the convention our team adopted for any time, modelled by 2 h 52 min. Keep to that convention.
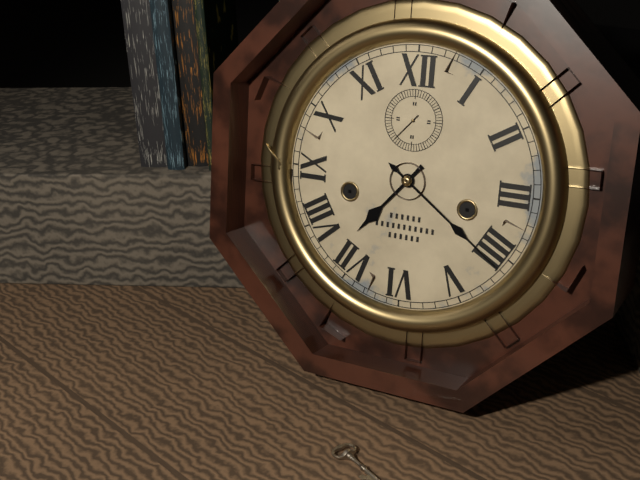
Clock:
7 h 21 min
